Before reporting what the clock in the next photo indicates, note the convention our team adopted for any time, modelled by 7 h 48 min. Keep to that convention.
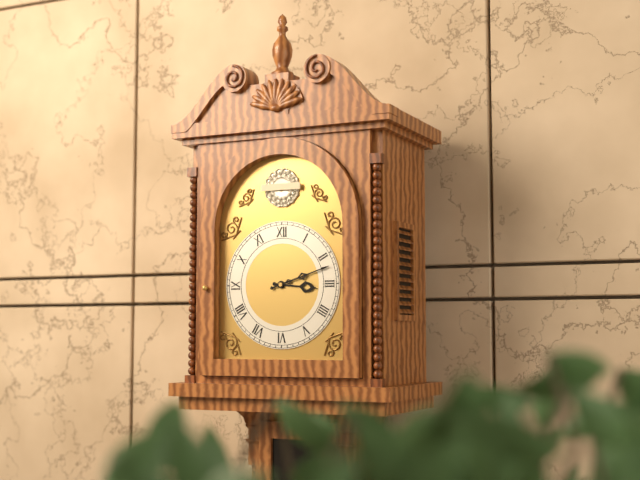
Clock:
3 h 12 min
